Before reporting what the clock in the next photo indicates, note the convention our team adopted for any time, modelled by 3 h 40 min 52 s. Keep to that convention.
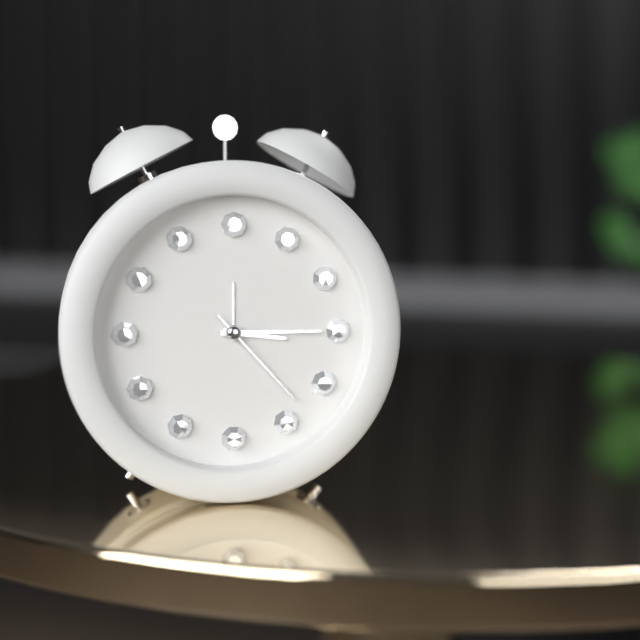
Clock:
3 h 15 min 23 s
